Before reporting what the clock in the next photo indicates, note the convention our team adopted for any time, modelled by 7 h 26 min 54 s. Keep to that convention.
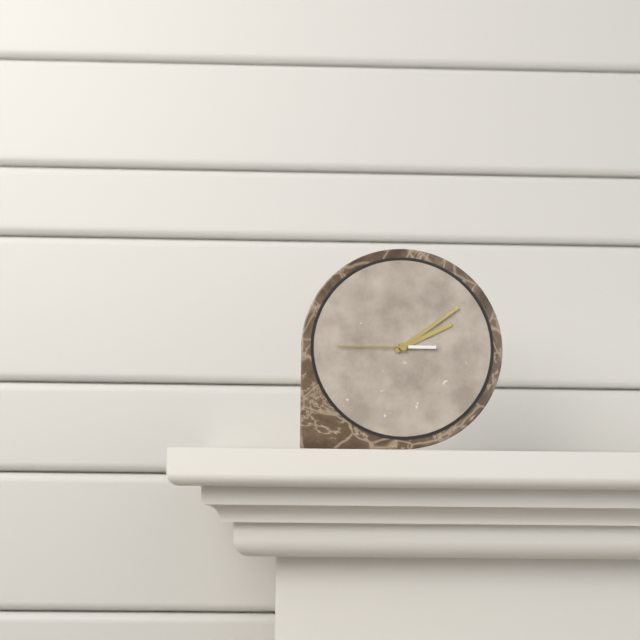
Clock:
2 h 09 min 45 s
